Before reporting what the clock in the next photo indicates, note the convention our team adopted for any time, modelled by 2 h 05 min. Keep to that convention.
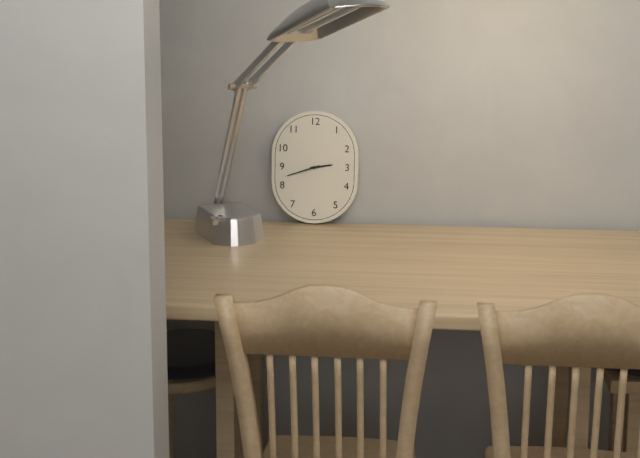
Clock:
2 h 42 min
